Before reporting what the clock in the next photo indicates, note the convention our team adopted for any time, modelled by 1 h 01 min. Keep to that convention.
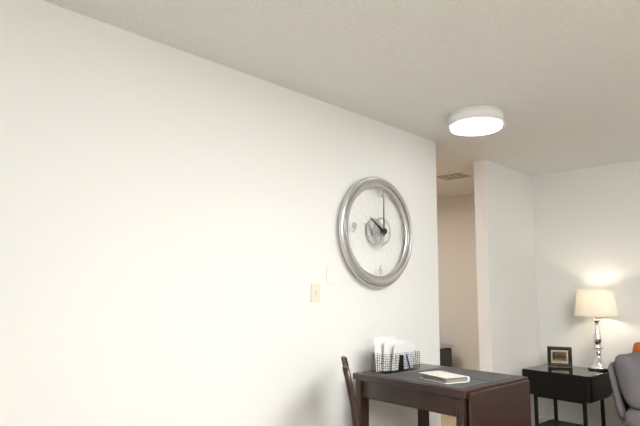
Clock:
10 h 00 min
